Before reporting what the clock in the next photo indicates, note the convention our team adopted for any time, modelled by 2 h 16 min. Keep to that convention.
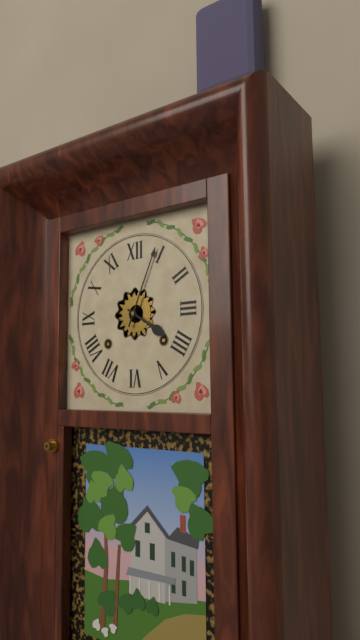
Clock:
4 h 04 min
